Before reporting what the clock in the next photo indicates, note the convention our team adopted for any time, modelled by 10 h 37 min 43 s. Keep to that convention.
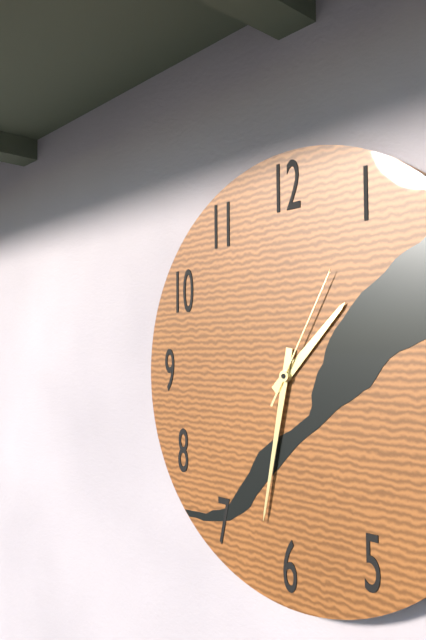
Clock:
1 h 32 min 05 s
